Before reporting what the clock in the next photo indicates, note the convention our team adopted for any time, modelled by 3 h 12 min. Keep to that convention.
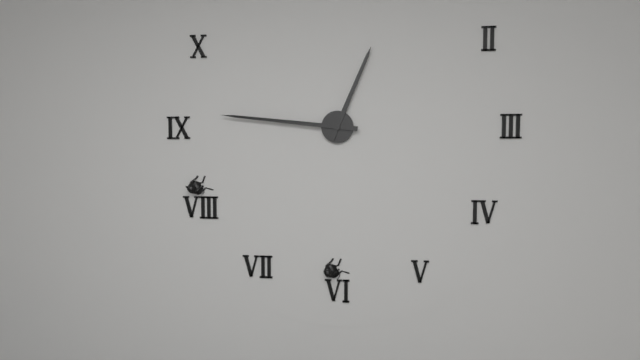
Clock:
12 h 46 min
